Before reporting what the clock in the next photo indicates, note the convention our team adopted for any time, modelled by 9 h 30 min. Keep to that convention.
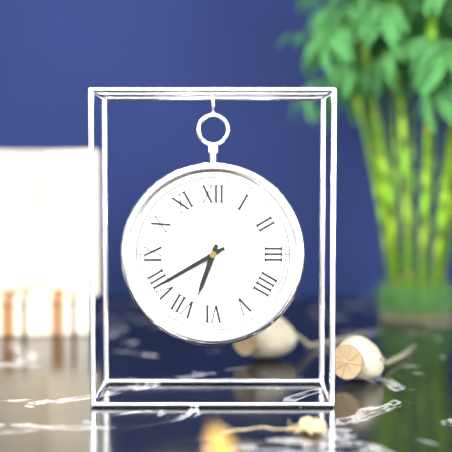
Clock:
6 h 40 min
